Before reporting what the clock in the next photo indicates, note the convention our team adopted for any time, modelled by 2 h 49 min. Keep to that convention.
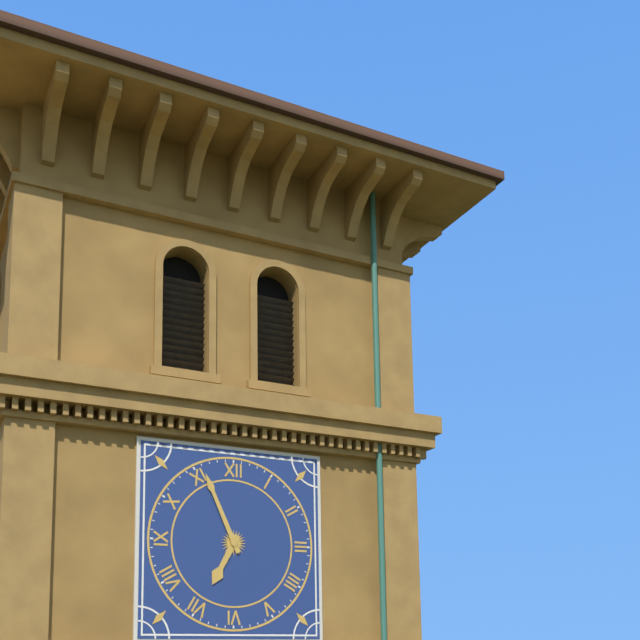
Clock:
6 h 56 min
